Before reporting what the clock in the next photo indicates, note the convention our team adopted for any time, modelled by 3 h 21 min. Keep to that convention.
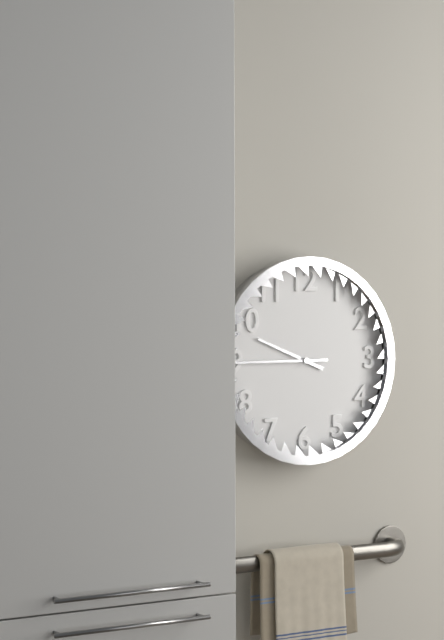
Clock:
9 h 45 min
